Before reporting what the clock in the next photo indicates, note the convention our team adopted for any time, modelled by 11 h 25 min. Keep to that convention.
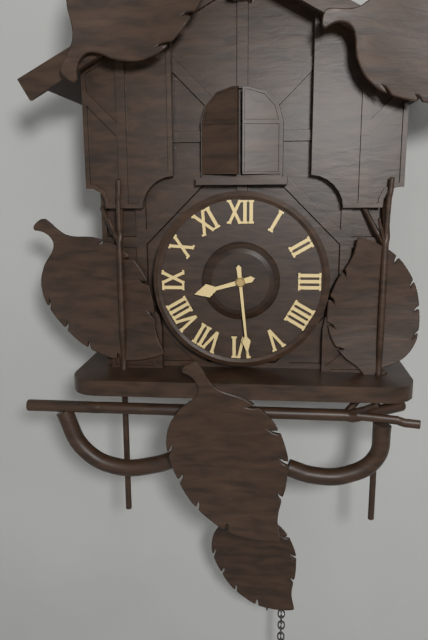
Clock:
8 h 29 min
